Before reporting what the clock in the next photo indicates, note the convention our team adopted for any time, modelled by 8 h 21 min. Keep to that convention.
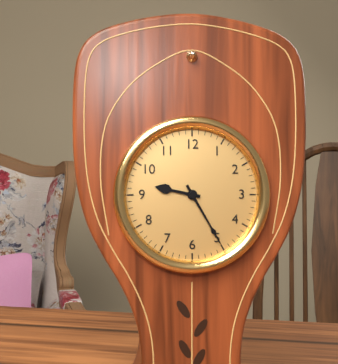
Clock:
9 h 25 min
